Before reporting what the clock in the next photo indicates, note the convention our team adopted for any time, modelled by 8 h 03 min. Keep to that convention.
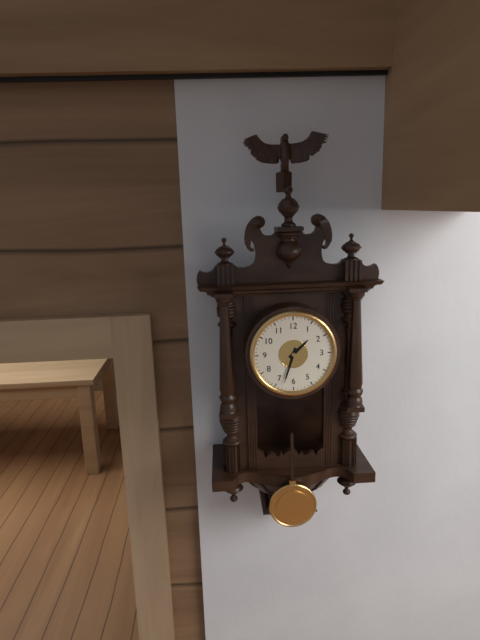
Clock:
1 h 33 min
